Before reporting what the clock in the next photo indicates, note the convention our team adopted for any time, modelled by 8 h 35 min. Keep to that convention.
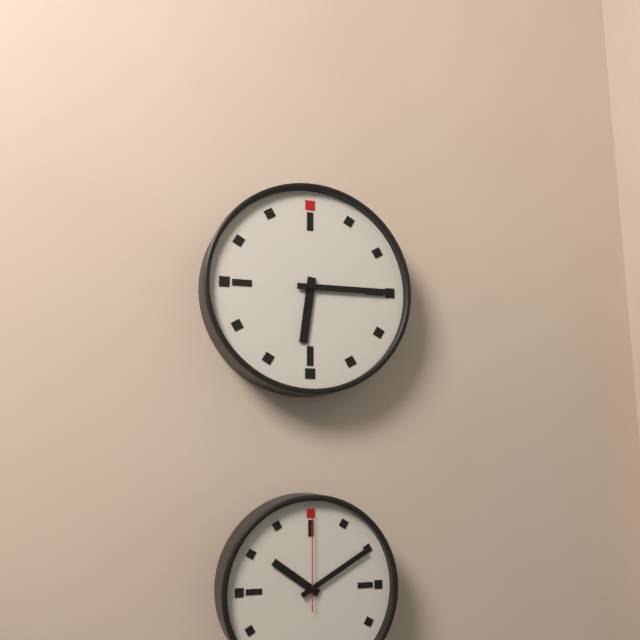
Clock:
6 h 15 min
